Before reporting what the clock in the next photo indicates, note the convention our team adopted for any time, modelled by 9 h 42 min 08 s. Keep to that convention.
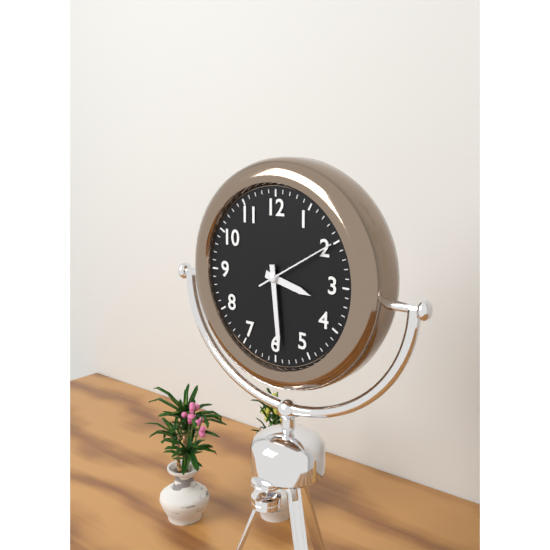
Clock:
3 h 29 min 10 s
